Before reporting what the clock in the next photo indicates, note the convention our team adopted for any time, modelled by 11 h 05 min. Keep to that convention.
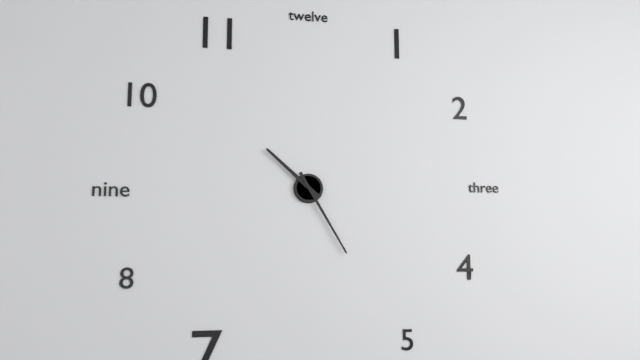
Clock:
10 h 25 min
